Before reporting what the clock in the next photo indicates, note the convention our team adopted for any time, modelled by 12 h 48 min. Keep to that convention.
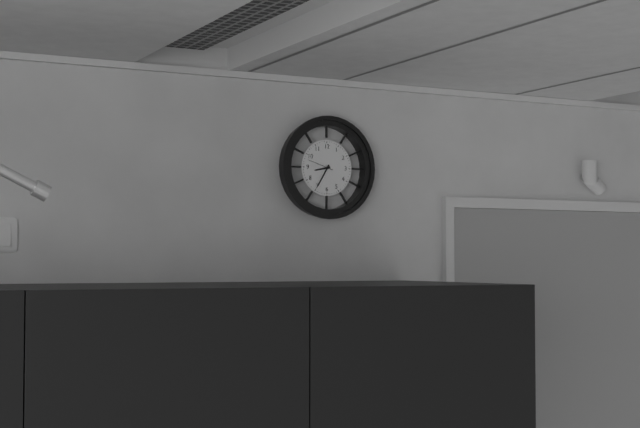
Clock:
8 h 35 min
